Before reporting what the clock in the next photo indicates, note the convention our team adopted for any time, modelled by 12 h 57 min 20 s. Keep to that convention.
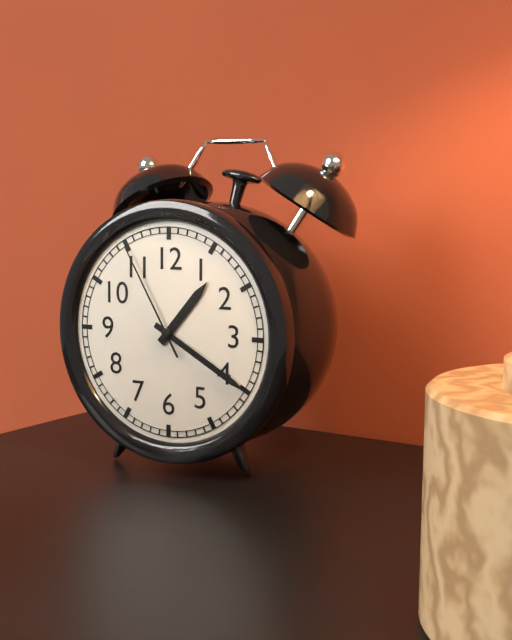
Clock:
1 h 20 min 55 s
